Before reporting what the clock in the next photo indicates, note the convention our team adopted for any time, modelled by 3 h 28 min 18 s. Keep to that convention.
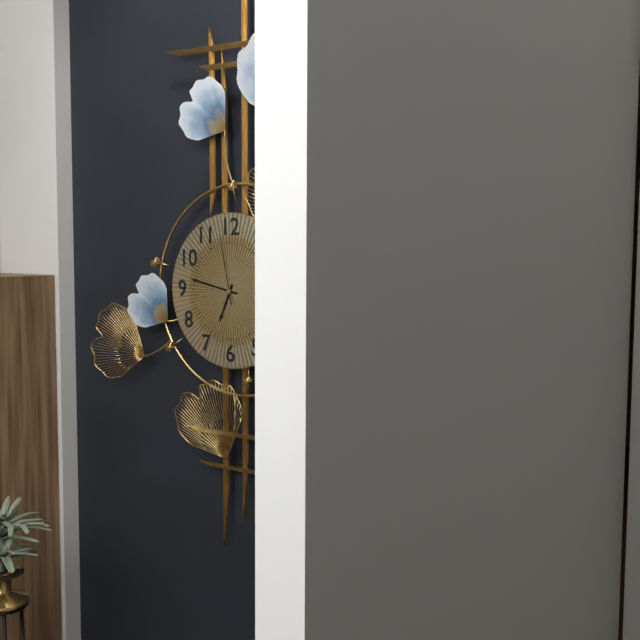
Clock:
6 h 47 min 58 s
